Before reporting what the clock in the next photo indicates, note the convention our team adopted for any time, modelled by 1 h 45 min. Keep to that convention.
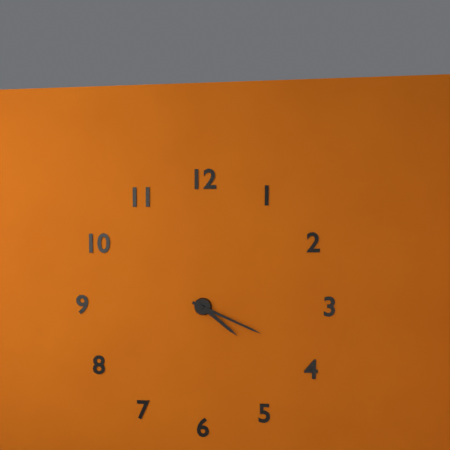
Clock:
4 h 19 min
